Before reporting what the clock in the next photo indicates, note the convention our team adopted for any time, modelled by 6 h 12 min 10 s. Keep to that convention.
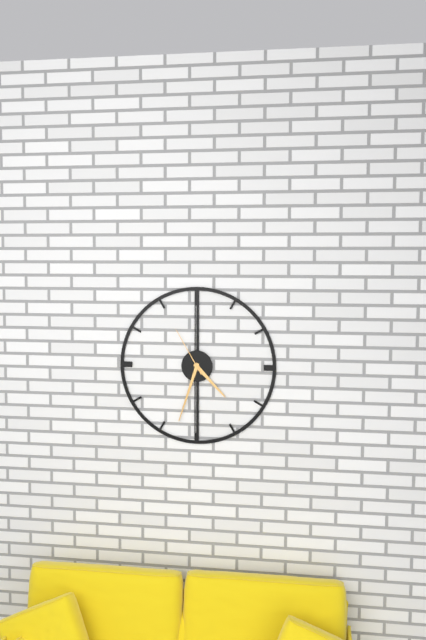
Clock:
4 h 33 min 55 s
